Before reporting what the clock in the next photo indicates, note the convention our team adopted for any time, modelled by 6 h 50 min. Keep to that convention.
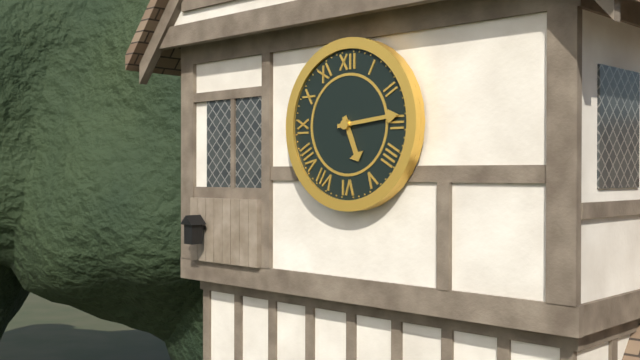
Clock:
5 h 14 min
